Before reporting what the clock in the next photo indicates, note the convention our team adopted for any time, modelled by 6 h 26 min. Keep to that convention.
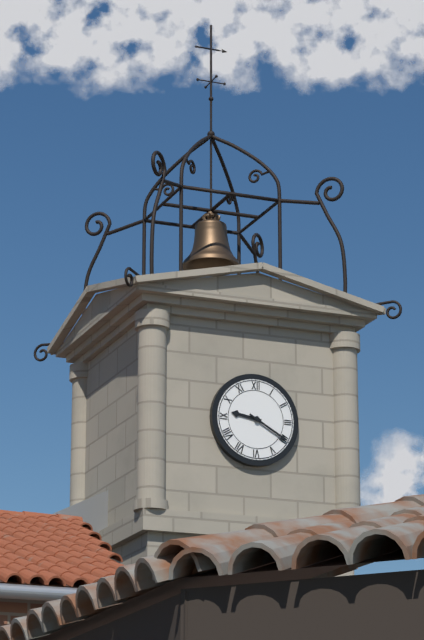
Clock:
9 h 20 min
